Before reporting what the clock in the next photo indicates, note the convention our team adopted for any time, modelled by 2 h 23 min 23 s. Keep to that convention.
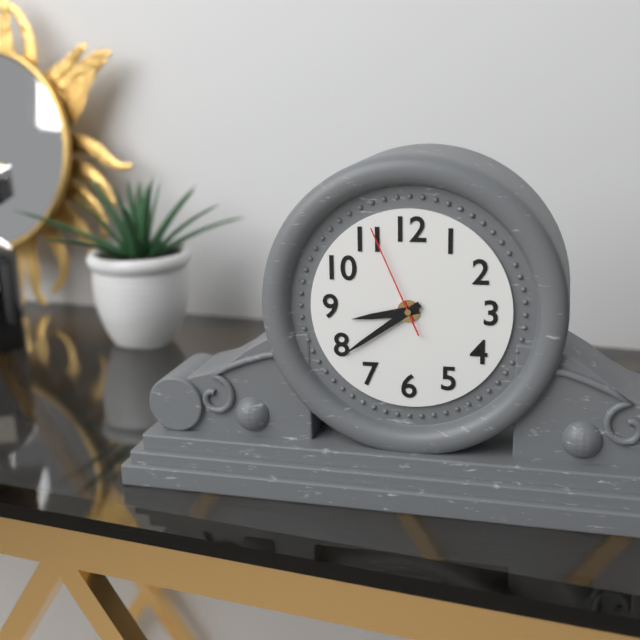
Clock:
8 h 39 min 56 s
